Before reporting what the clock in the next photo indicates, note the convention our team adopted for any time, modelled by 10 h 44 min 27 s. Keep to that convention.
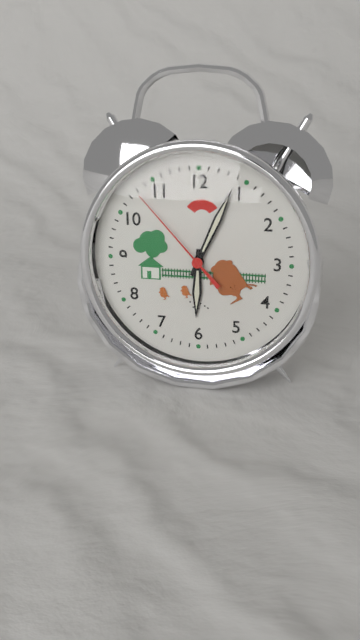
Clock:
6 h 04 min 53 s
